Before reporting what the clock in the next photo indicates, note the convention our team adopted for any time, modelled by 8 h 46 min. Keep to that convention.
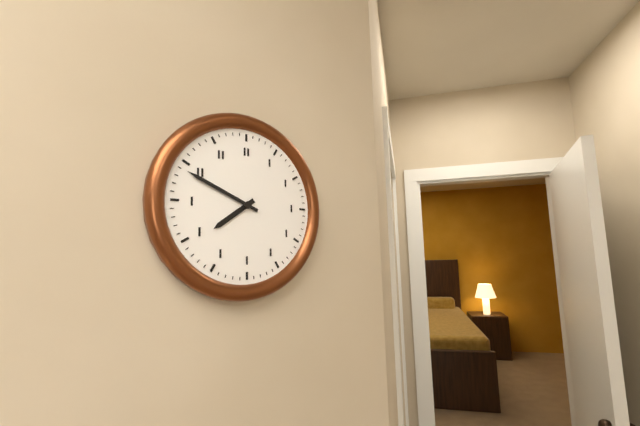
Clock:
7 h 49 min
